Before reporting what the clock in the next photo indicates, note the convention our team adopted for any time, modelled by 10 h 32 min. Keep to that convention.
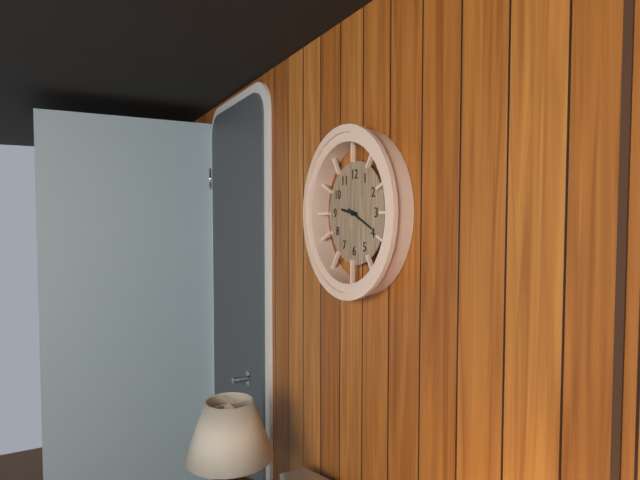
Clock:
9 h 19 min
